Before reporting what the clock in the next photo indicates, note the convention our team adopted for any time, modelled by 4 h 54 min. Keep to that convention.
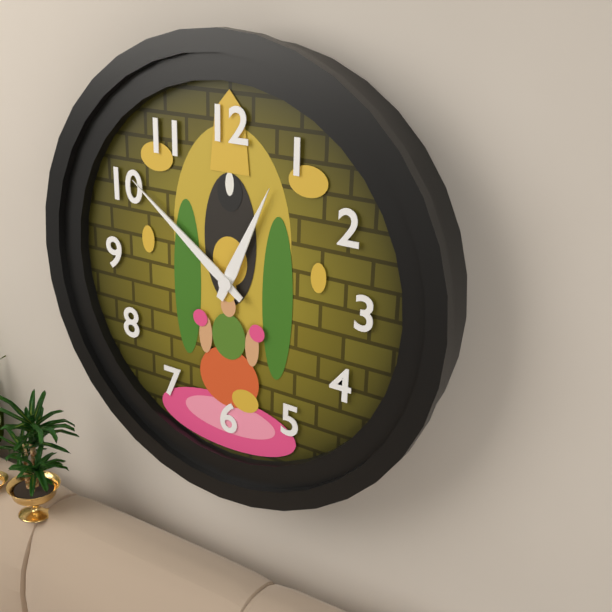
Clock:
12 h 51 min
